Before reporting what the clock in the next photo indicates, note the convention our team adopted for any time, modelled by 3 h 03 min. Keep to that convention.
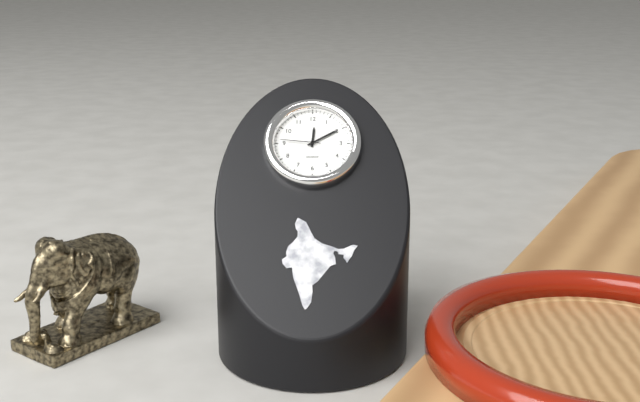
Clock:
12 h 10 min
